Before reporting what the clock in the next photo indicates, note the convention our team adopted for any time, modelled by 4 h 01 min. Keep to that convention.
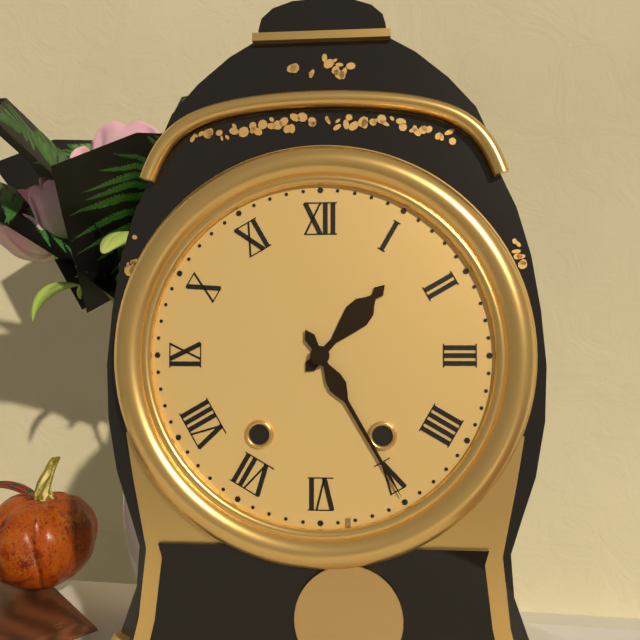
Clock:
1 h 25 min
